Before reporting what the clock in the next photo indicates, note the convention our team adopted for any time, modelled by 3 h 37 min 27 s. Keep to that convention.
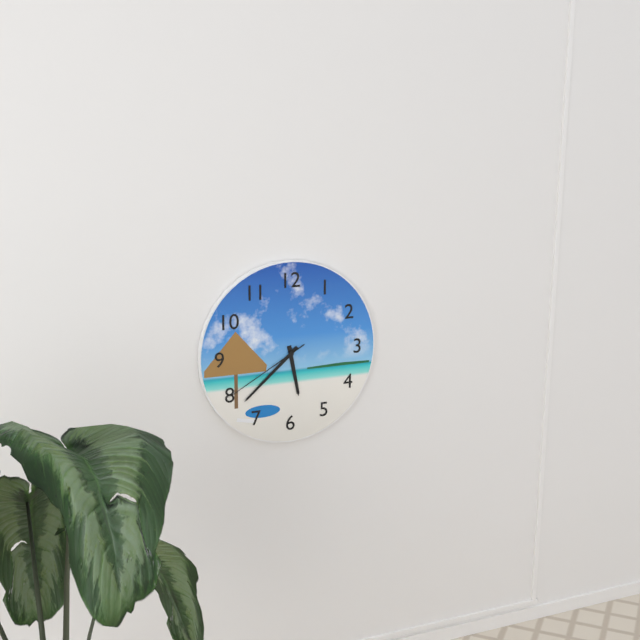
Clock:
5 h 38 min 40 s
